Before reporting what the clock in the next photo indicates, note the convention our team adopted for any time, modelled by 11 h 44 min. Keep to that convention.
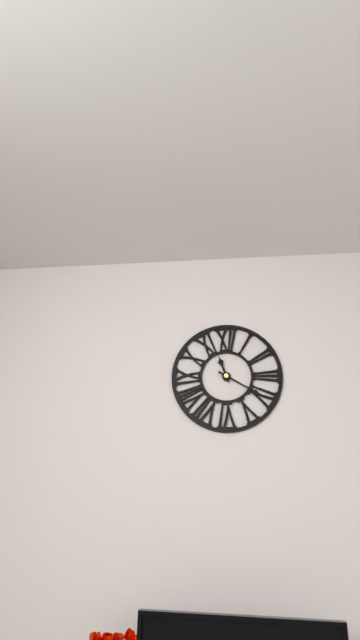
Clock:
11 h 20 min
